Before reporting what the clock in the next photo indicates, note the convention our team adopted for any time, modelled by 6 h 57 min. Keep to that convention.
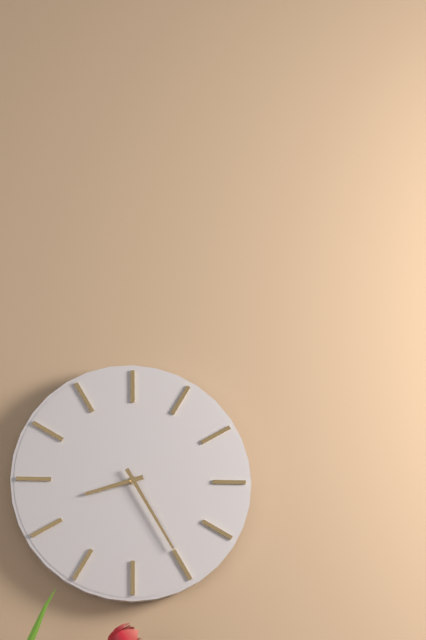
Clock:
8 h 25 min
